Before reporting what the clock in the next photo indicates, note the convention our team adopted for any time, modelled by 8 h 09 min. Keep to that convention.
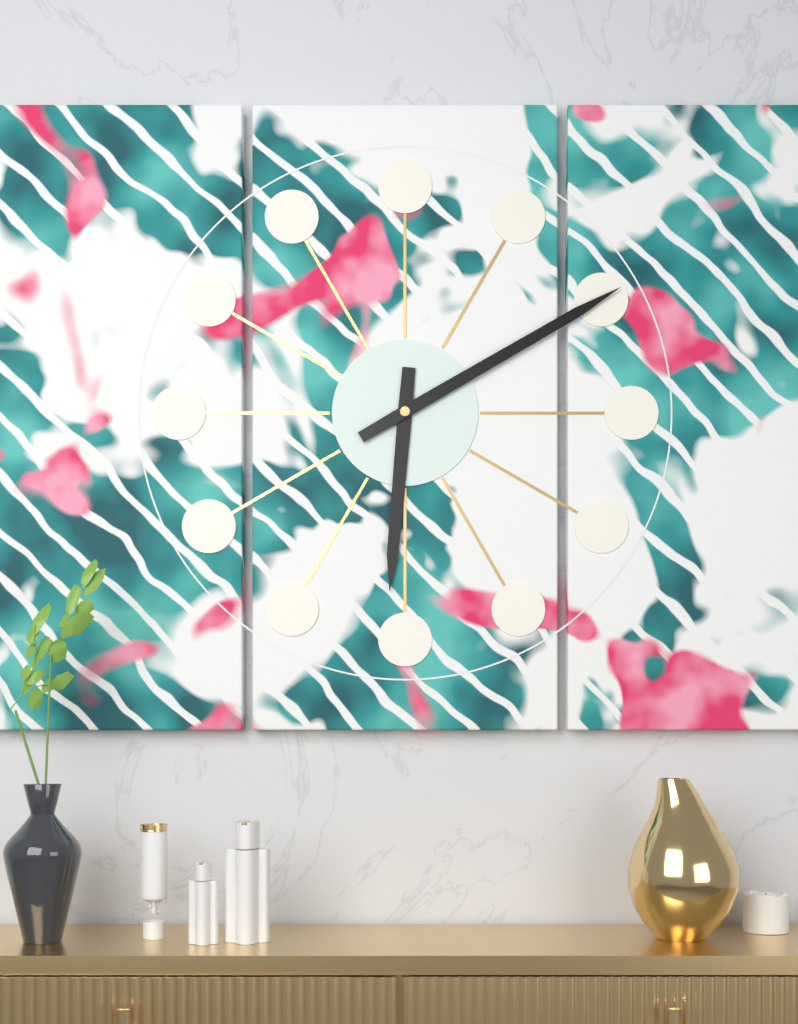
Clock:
6 h 10 min
